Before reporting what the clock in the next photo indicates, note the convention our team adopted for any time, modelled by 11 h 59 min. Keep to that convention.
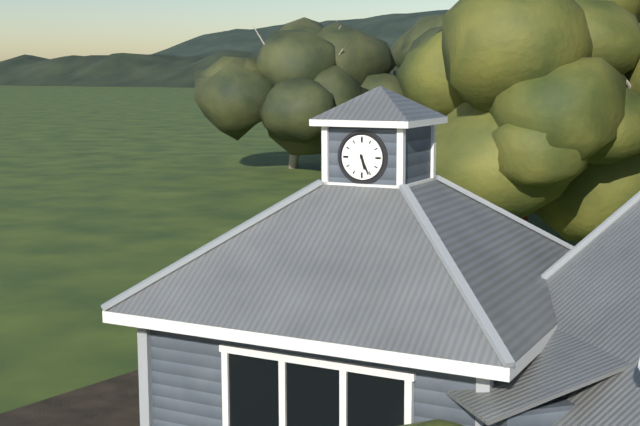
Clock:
5 h 26 min
